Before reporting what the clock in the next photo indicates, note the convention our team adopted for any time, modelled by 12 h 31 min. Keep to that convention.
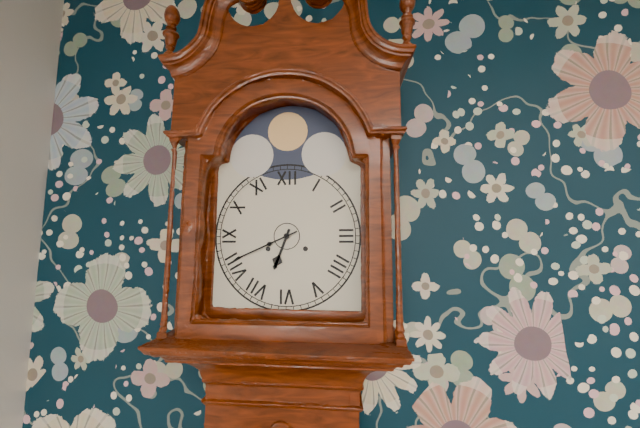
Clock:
6 h 41 min
